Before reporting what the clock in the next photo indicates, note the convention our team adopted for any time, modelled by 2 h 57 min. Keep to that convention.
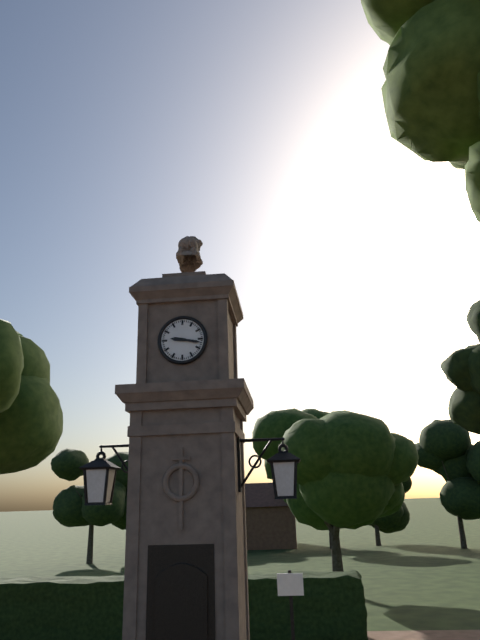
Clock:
9 h 17 min
